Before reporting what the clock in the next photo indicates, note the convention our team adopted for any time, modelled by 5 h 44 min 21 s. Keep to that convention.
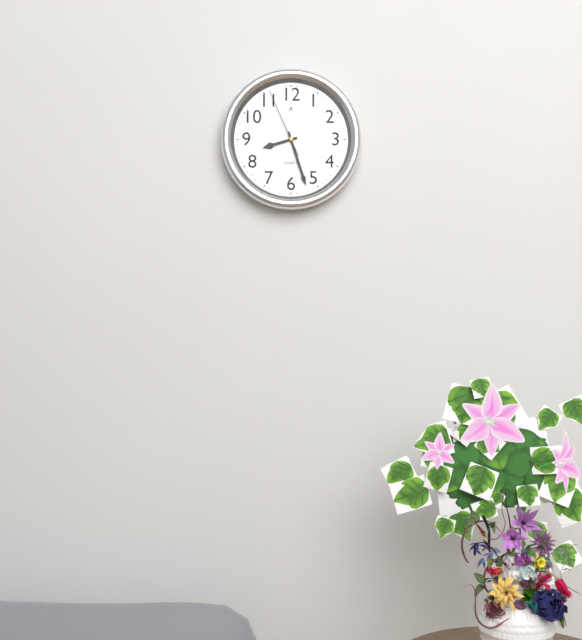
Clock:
8 h 27 min 56 s
